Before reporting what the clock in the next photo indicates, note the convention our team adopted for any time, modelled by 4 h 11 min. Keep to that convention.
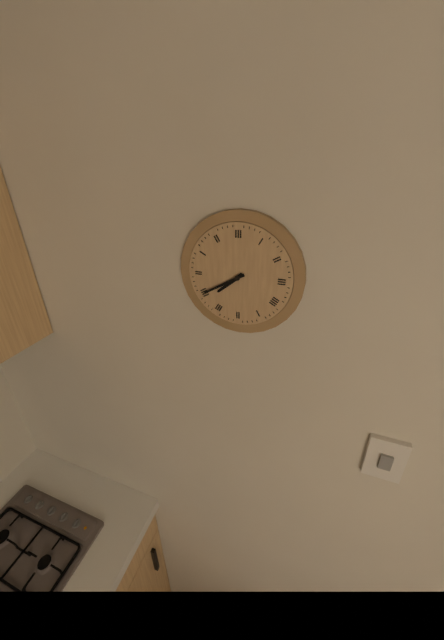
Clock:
7 h 40 min
